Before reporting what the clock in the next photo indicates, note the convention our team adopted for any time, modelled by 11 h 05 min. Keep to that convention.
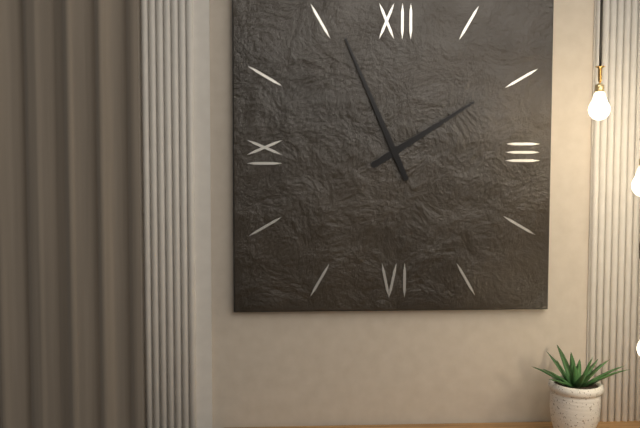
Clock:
1 h 56 min
